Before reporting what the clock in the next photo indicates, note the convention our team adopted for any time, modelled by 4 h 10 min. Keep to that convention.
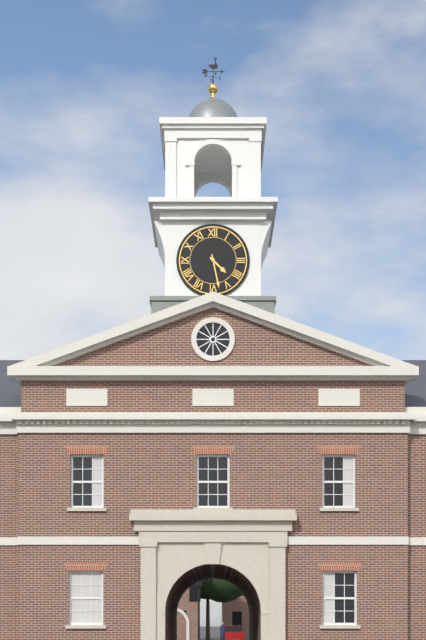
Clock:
4 h 28 min
